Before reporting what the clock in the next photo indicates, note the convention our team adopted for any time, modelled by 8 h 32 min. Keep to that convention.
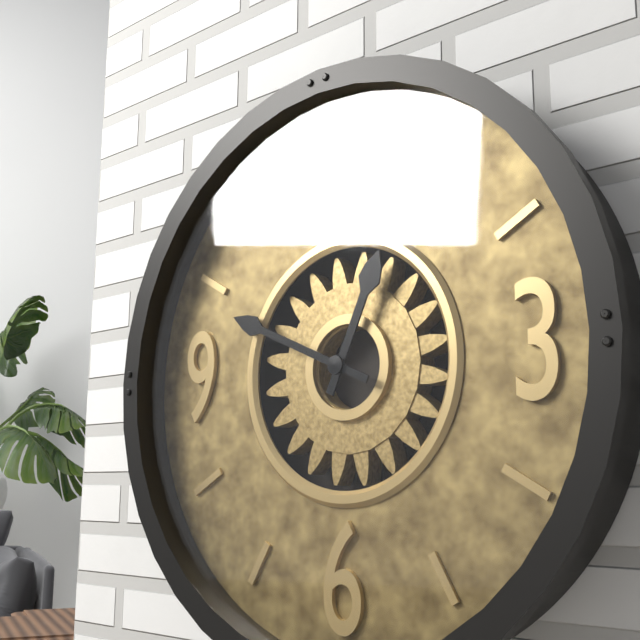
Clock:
12 h 49 min
